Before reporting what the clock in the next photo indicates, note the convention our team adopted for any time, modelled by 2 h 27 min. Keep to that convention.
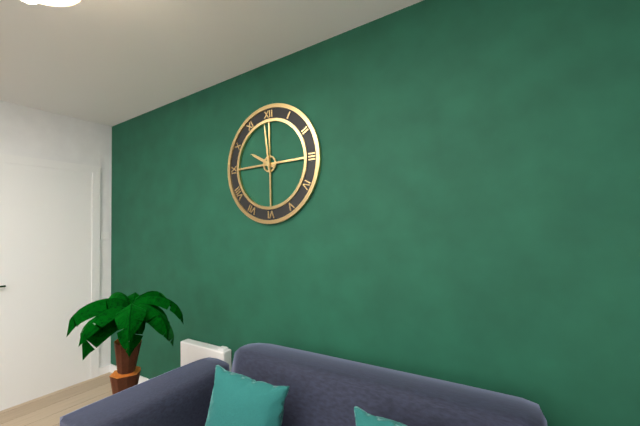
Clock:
9 h 59 min
